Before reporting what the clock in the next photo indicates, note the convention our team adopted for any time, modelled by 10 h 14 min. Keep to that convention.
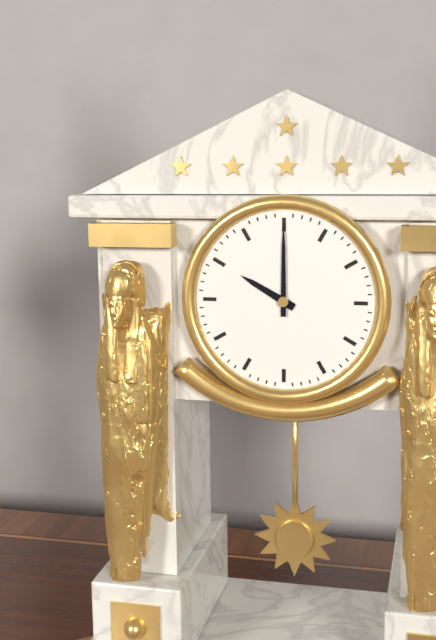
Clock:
10 h 00 min
